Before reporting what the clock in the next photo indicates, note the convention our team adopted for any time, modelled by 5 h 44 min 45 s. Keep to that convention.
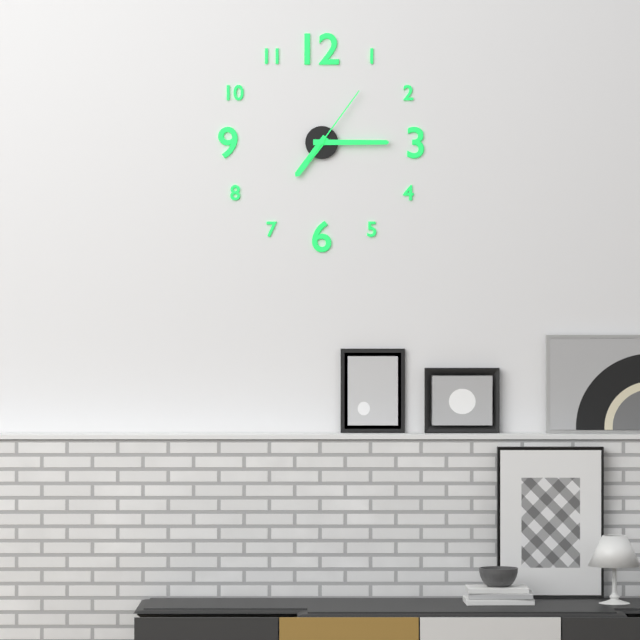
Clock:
7 h 15 min 06 s
